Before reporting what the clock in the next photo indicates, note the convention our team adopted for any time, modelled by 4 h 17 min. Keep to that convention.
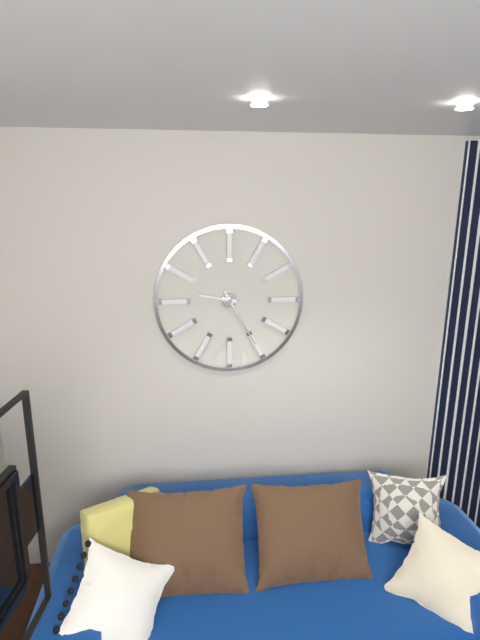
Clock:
9 h 25 min
